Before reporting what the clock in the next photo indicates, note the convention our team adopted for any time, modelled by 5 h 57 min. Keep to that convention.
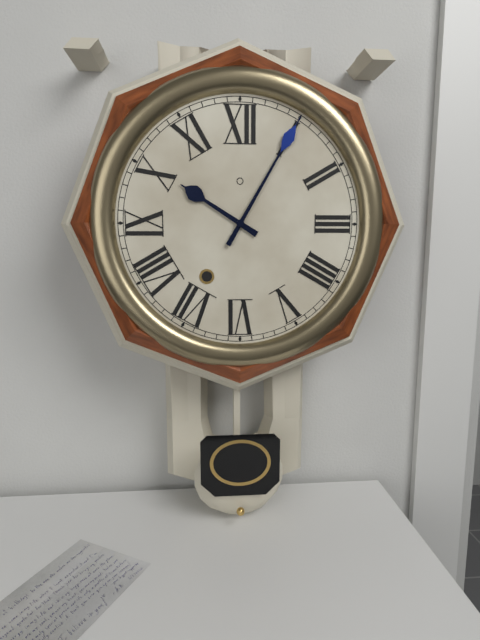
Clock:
10 h 05 min
